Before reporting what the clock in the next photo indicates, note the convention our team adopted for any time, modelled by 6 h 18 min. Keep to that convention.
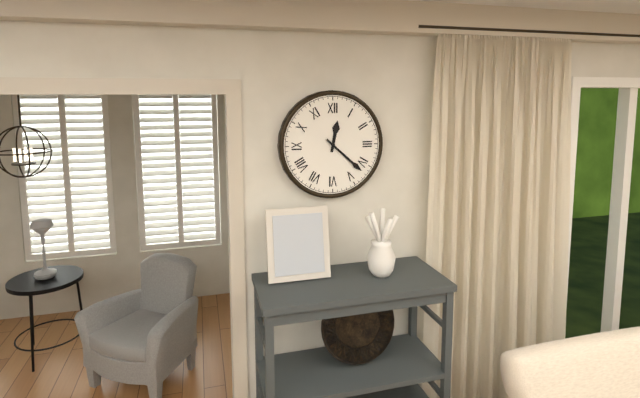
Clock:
12 h 22 min
